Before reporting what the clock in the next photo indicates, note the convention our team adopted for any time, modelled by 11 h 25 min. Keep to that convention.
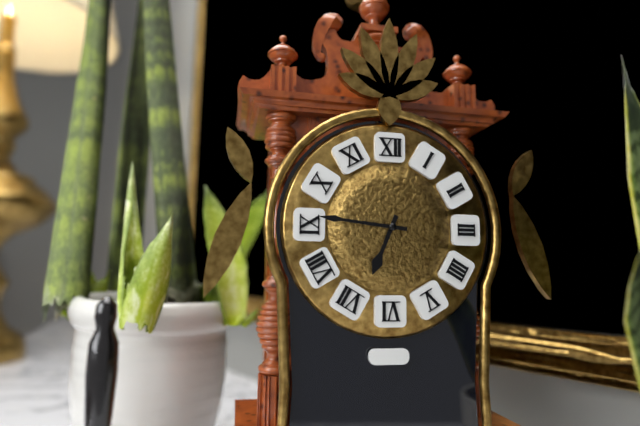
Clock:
6 h 46 min
